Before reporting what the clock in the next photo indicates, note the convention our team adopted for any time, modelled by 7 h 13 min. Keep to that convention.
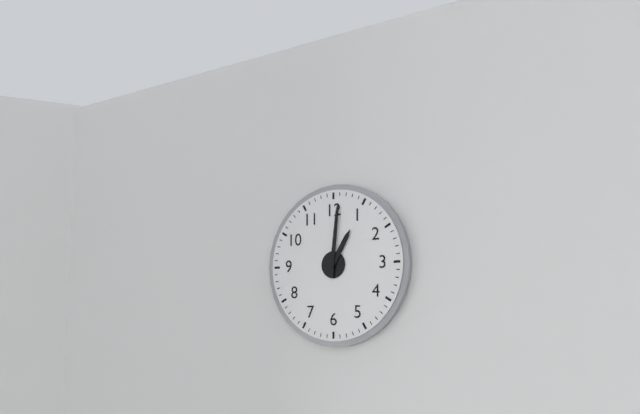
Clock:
1 h 01 min
